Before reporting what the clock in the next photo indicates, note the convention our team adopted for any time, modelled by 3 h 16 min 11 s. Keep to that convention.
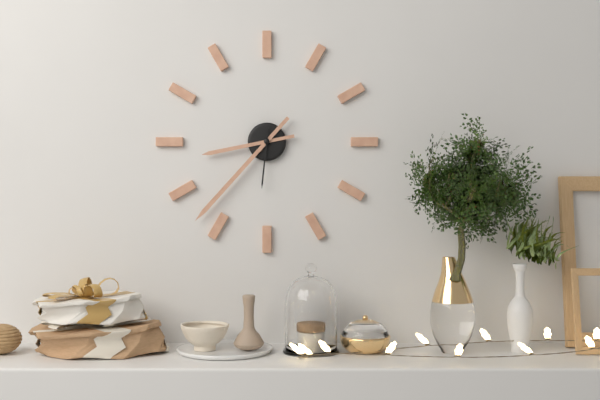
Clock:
8 h 37 min 31 s
